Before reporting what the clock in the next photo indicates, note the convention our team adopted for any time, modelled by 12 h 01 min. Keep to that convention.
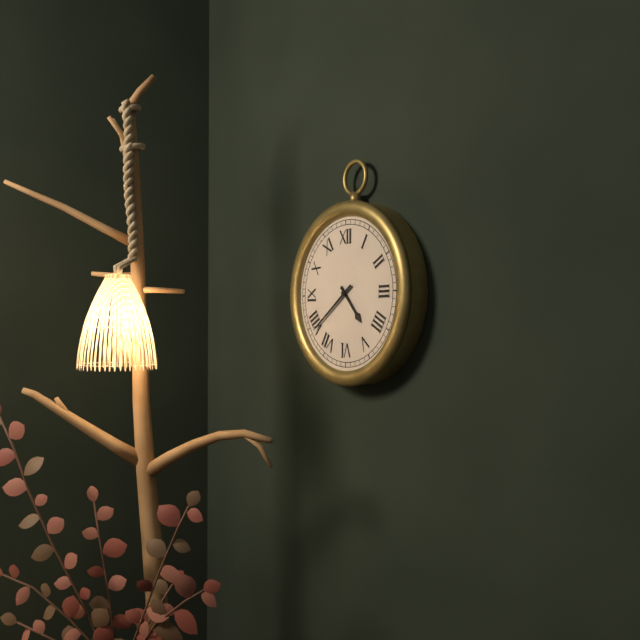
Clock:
4 h 39 min
